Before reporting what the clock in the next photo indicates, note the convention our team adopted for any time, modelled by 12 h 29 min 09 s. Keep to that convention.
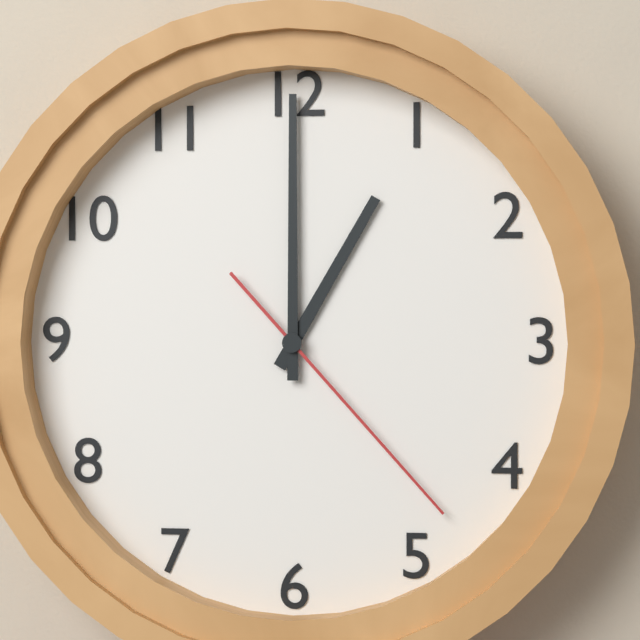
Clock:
1 h 00 min 23 s
